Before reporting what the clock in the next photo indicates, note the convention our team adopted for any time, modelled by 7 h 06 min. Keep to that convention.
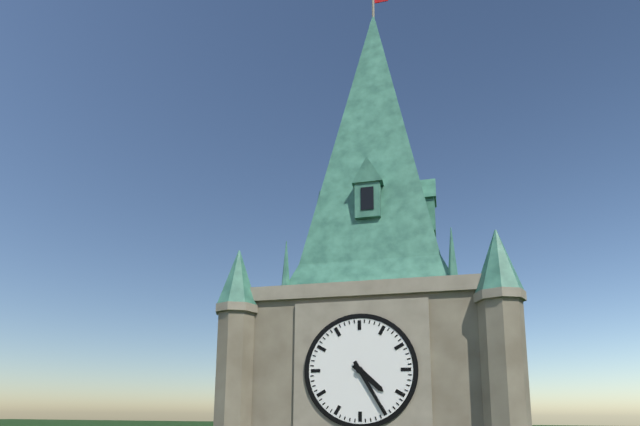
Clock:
4 h 25 min
